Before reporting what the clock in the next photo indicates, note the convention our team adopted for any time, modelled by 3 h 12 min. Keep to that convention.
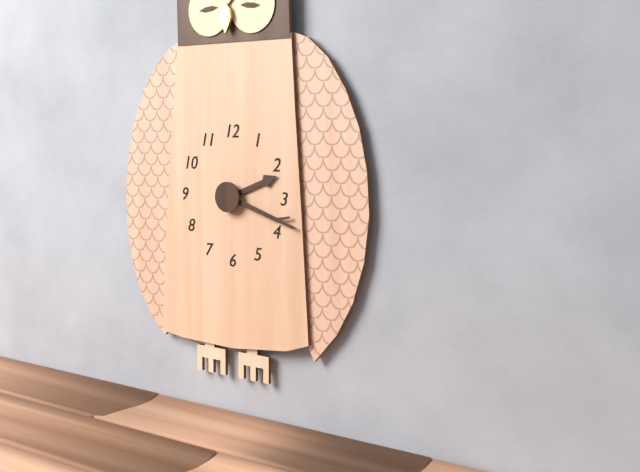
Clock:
2 h 18 min
